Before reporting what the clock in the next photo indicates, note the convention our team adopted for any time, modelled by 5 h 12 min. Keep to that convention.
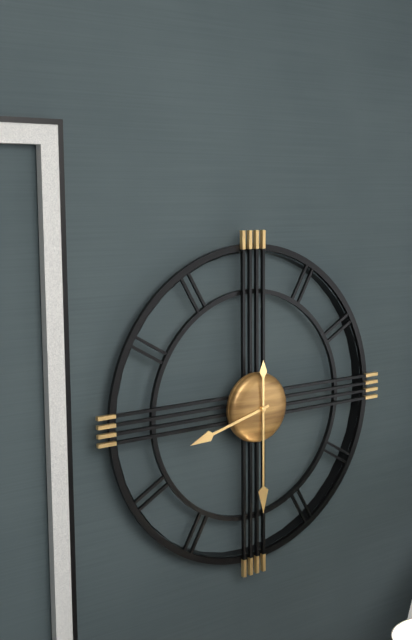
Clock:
8 h 30 min
